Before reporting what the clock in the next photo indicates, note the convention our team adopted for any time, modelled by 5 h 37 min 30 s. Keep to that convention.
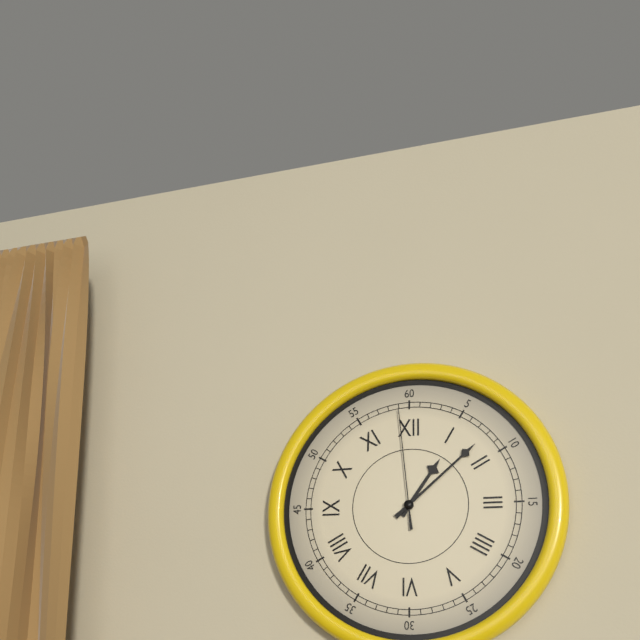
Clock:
1 h 08 min 59 s
